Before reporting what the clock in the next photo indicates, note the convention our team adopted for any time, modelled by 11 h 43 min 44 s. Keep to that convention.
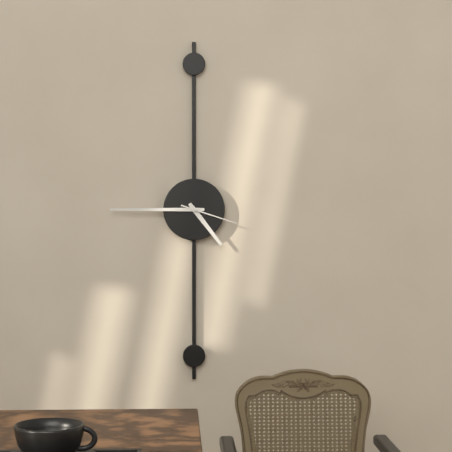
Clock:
4 h 45 min 18 s
